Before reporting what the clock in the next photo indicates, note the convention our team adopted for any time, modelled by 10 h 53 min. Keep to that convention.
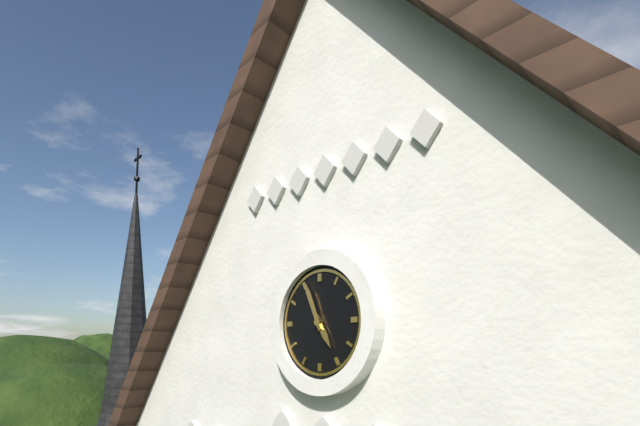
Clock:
4 h 56 min
